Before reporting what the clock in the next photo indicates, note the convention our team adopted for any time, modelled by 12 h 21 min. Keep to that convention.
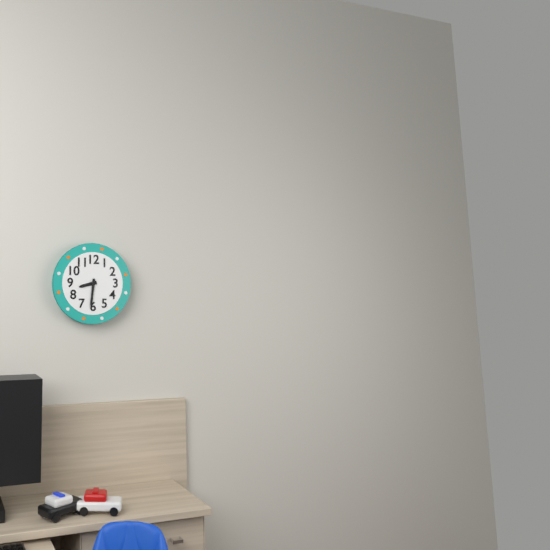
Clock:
8 h 31 min
